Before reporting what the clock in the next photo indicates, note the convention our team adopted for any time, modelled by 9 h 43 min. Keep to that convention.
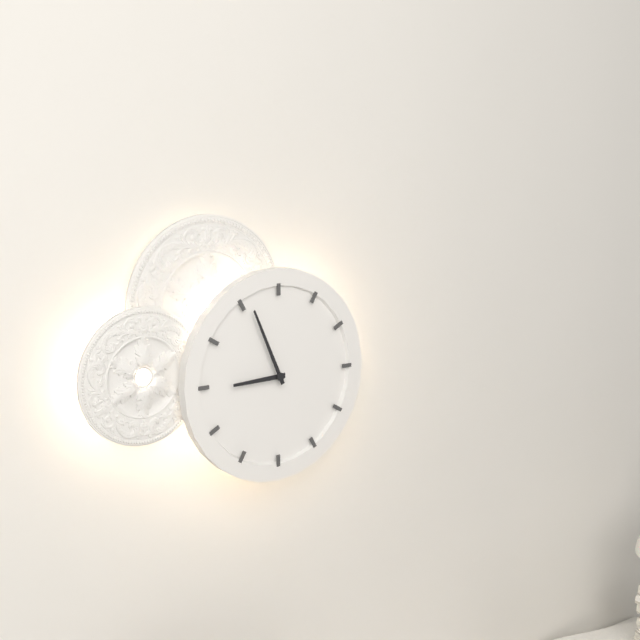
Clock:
8 h 56 min
